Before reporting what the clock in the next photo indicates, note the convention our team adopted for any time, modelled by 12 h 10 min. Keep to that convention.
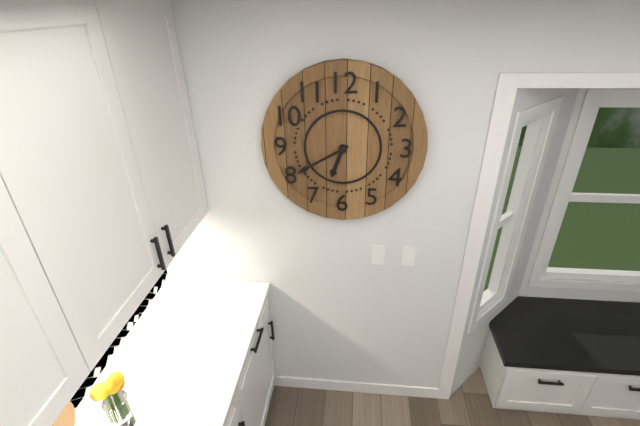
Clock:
6 h 40 min
